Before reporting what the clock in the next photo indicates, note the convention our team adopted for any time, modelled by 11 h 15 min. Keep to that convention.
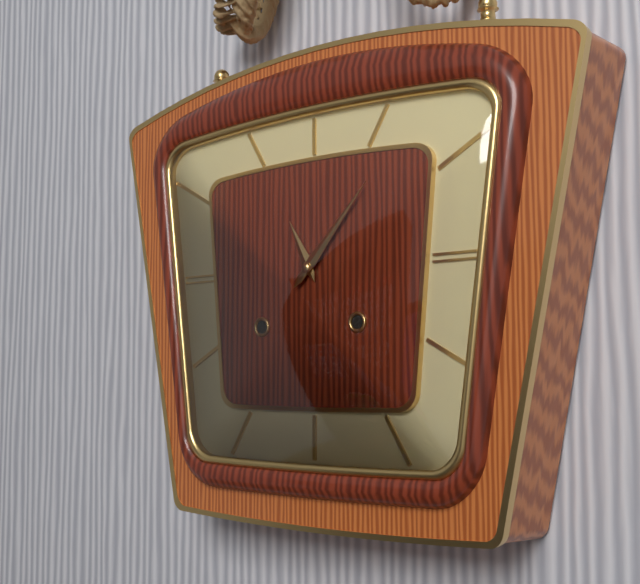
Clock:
11 h 07 min
